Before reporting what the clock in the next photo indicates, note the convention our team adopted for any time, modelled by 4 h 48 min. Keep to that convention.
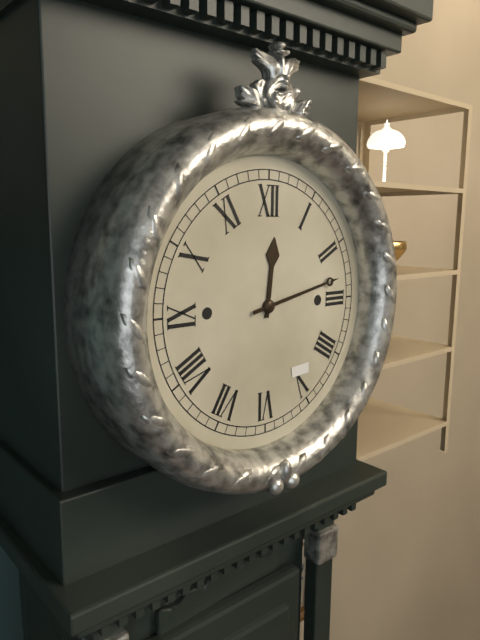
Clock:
12 h 13 min
